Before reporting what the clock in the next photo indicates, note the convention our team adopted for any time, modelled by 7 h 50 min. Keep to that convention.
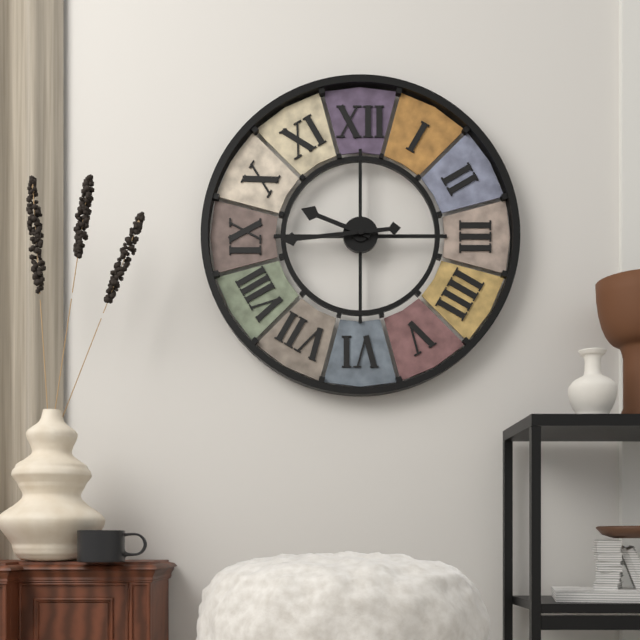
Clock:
9 h 44 min
